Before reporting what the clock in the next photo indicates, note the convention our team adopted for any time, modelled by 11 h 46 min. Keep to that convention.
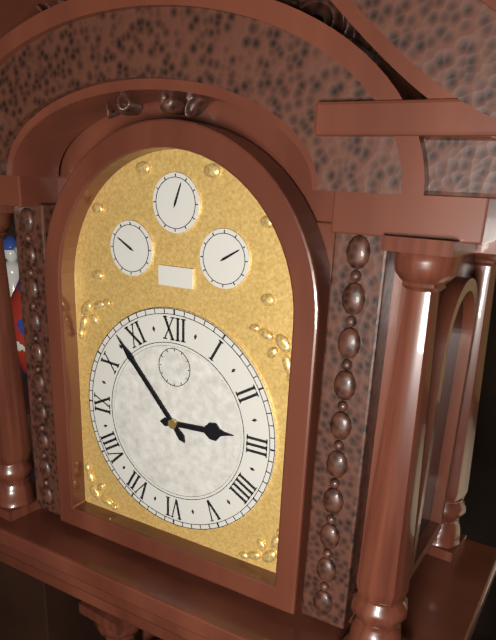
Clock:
2 h 53 min
